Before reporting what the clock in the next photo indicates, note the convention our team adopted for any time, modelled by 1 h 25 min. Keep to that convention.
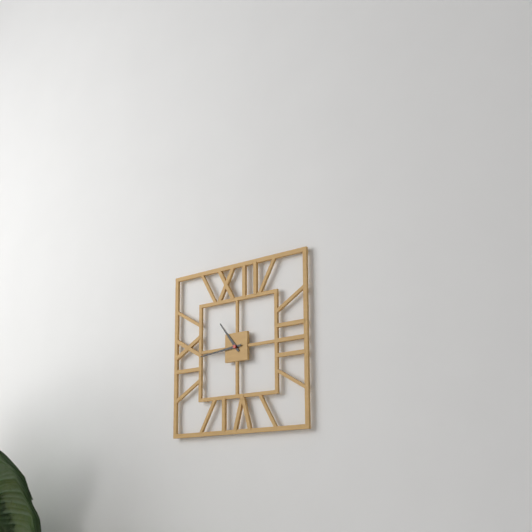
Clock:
10 h 44 min
